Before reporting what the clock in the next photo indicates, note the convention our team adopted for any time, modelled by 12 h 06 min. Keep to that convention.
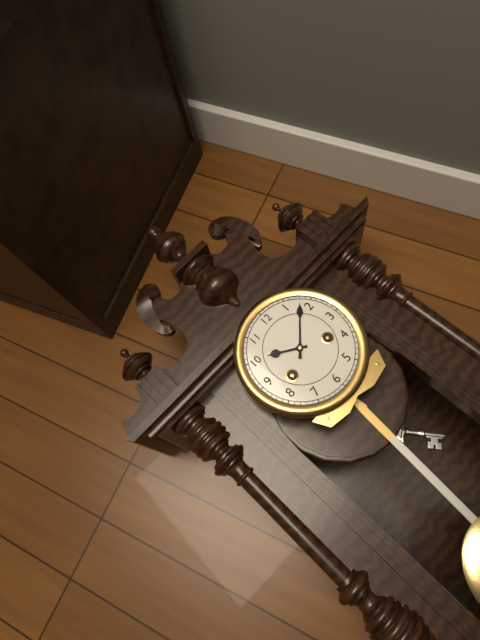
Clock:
10 h 08 min
